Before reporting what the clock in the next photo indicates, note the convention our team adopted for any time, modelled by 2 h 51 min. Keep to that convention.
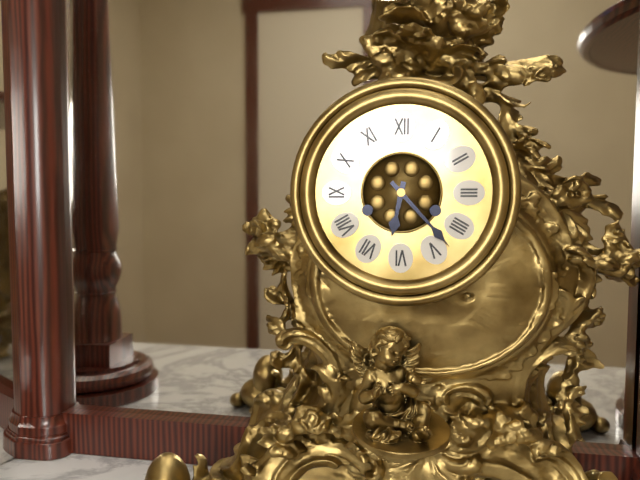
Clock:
6 h 23 min
